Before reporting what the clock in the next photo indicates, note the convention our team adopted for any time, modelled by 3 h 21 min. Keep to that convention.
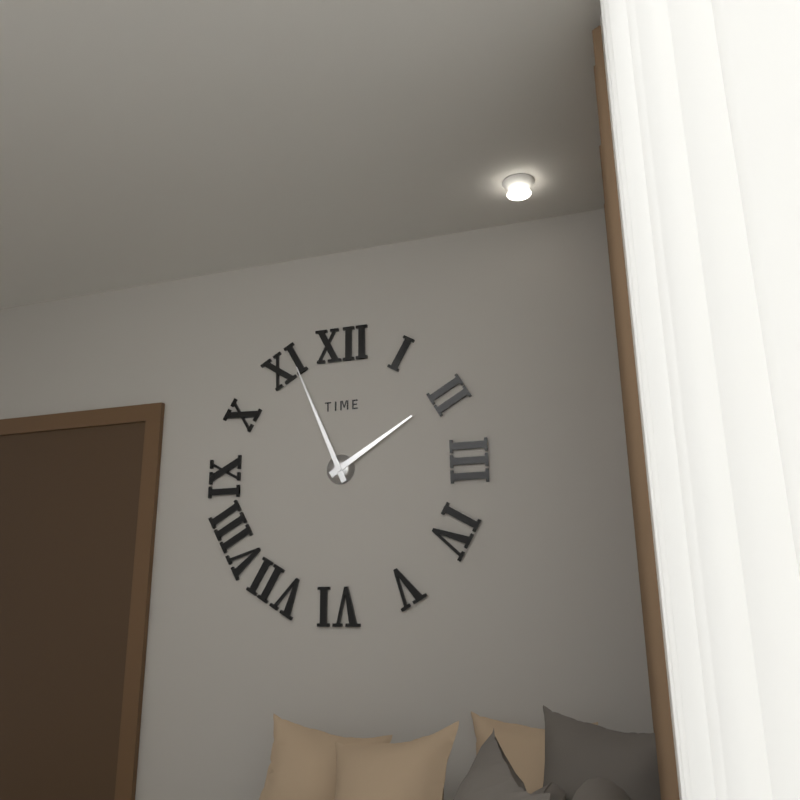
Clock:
1 h 56 min
